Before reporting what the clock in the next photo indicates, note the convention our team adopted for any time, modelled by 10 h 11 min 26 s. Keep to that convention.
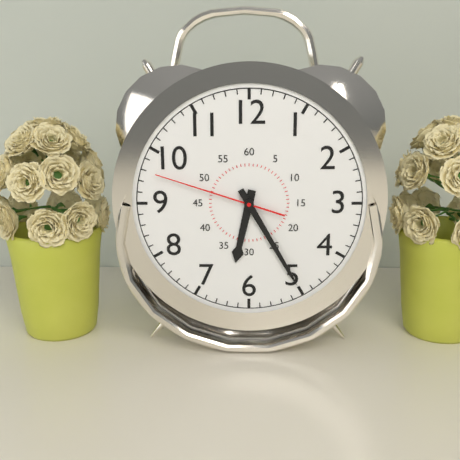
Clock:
6 h 25 min 48 s
